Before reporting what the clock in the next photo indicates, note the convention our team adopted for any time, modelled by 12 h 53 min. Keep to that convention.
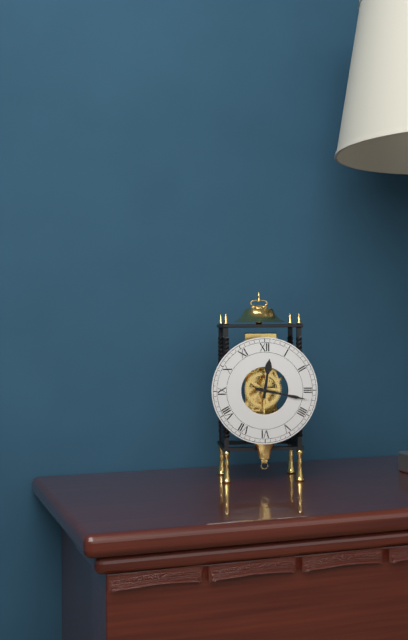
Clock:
12 h 17 min
